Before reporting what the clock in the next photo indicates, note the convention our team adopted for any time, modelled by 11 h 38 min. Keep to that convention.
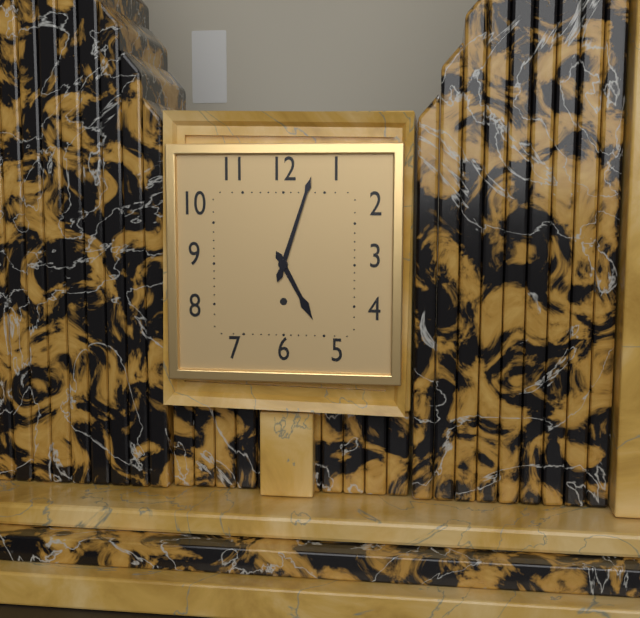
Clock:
5 h 03 min
